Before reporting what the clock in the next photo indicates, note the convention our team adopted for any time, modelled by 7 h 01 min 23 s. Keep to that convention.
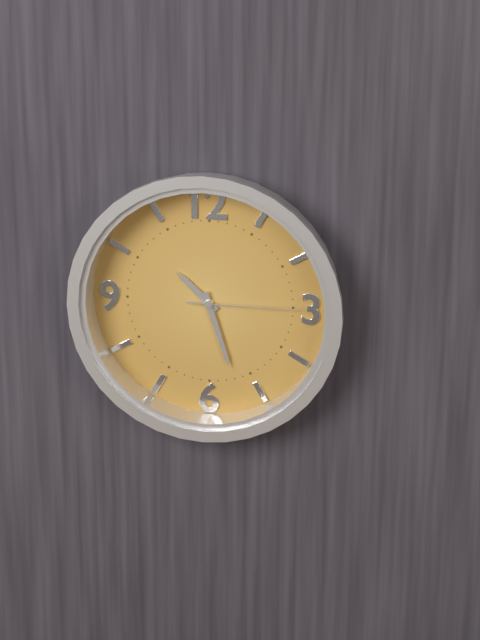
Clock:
10 h 27 min 15 s
